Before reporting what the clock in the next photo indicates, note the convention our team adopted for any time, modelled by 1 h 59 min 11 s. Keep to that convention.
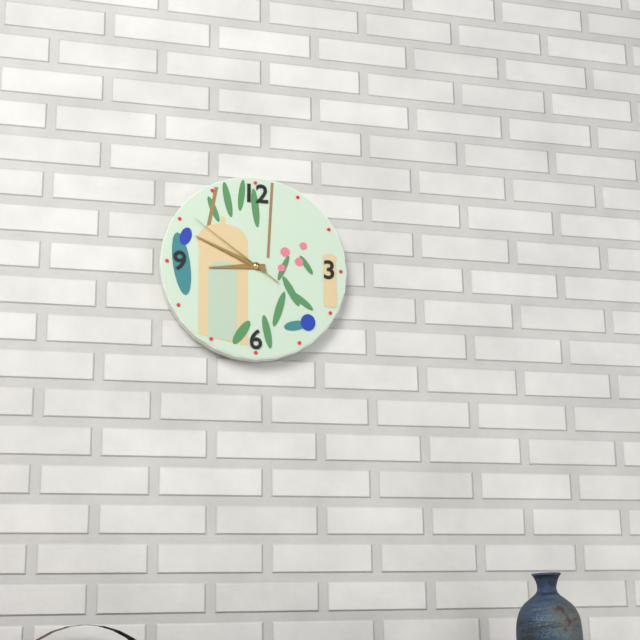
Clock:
8 h 49 min 51 s
